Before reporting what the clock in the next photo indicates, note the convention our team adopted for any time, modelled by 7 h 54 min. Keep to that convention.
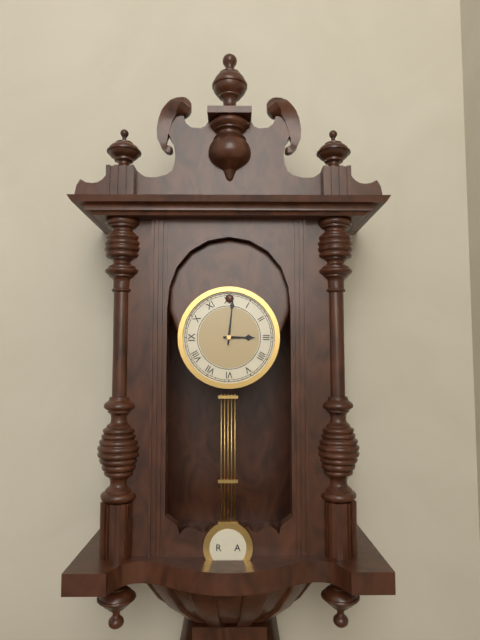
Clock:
3 h 01 min
